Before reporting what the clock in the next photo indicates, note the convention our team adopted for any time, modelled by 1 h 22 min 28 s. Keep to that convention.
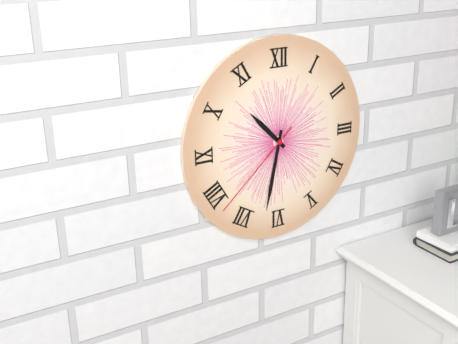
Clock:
10 h 32 min 38 s
